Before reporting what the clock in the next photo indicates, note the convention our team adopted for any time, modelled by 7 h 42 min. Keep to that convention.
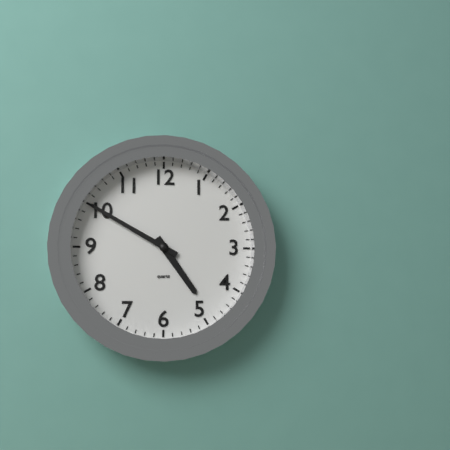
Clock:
4 h 50 min
